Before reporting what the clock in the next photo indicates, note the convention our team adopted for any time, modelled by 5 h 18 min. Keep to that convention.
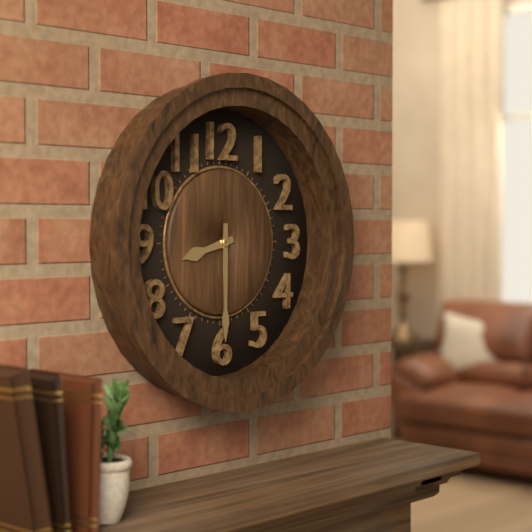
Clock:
8 h 30 min
